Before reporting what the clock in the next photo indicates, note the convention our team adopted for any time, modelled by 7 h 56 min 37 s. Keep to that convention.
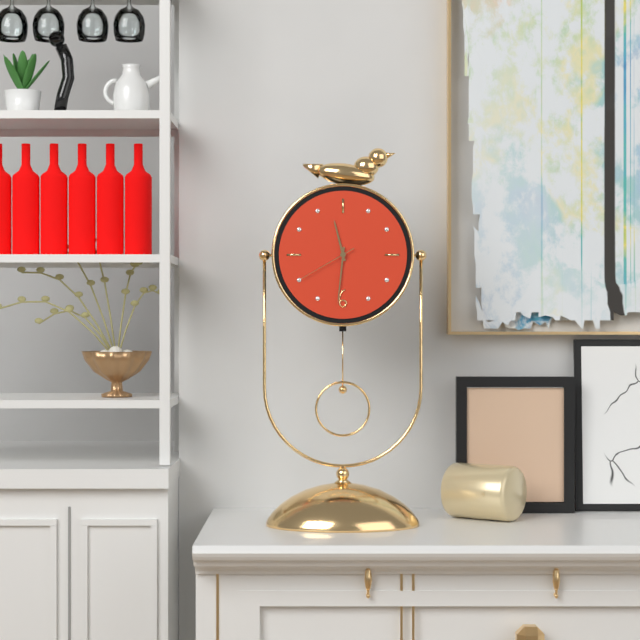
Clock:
11 h 31 min 40 s
